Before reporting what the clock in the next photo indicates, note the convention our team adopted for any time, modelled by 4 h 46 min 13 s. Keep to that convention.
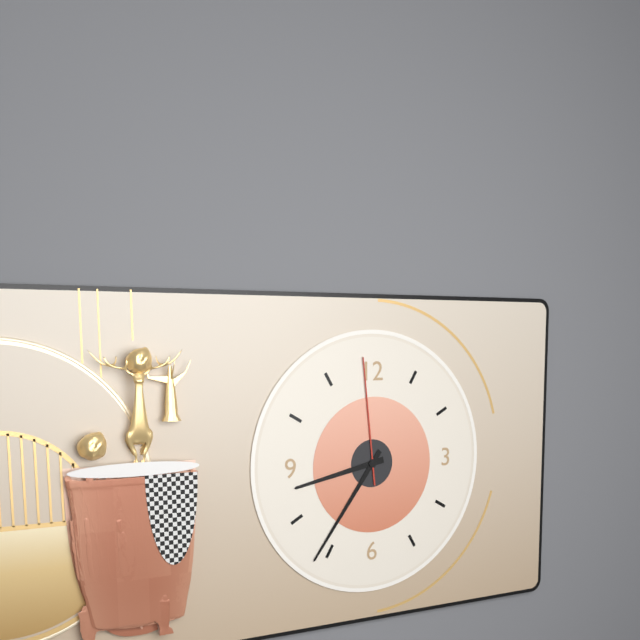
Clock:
8 h 36 min 59 s
